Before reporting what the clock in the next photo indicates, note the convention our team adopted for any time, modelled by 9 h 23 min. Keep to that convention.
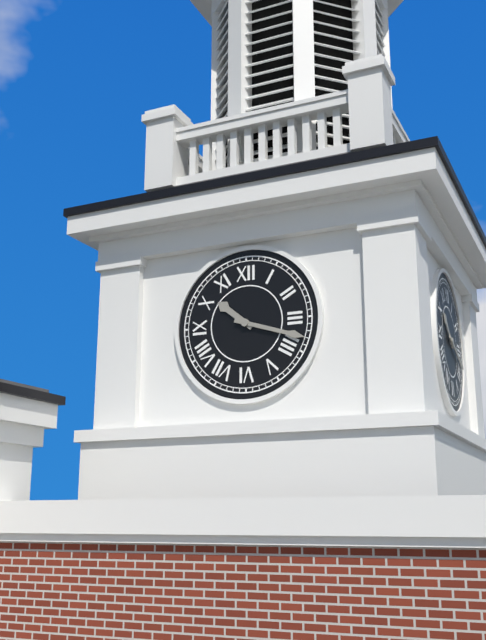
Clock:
10 h 18 min
